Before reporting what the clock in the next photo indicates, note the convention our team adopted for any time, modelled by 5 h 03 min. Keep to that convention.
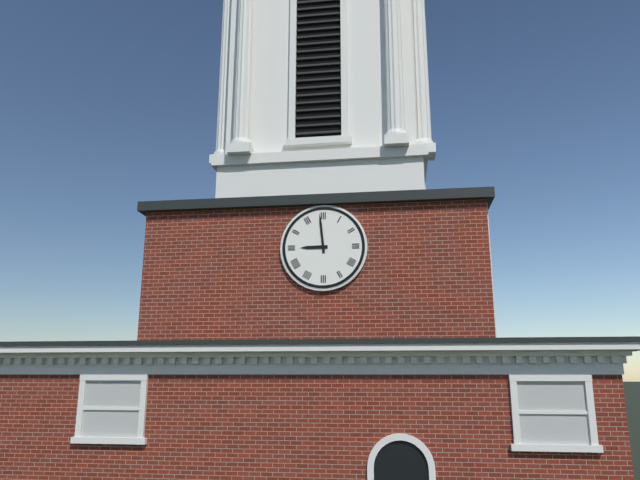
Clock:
8 h 59 min
